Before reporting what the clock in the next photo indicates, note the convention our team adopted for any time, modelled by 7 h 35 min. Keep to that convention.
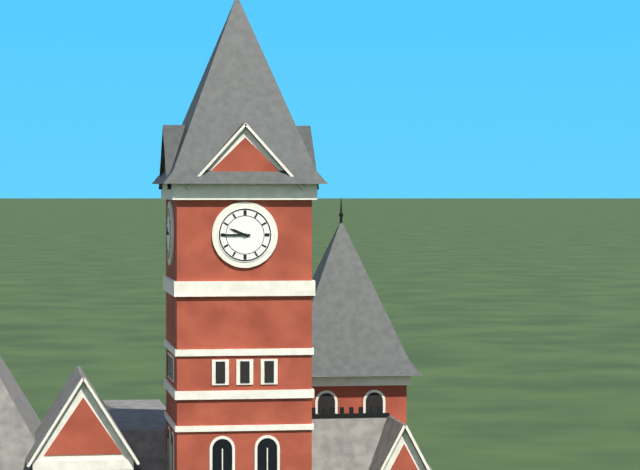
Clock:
9 h 45 min
